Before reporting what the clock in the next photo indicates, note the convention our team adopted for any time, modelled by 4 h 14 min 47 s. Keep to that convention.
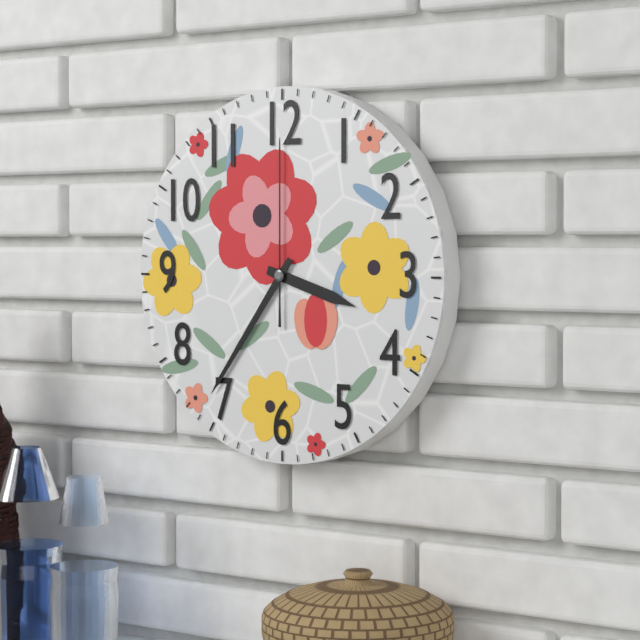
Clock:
3 h 36 min 00 s
